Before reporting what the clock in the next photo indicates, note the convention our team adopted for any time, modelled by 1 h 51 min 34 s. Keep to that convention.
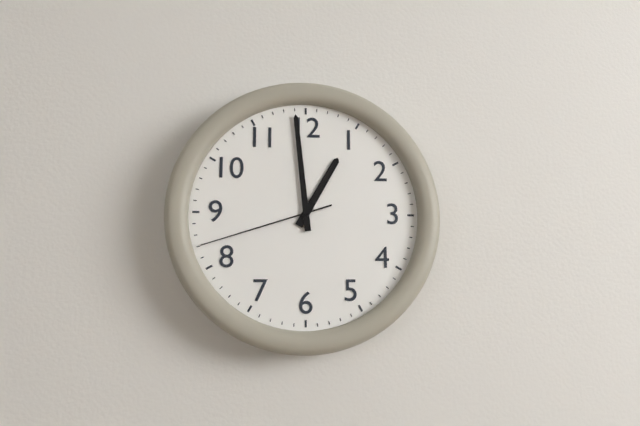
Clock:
12 h 59 min 42 s
